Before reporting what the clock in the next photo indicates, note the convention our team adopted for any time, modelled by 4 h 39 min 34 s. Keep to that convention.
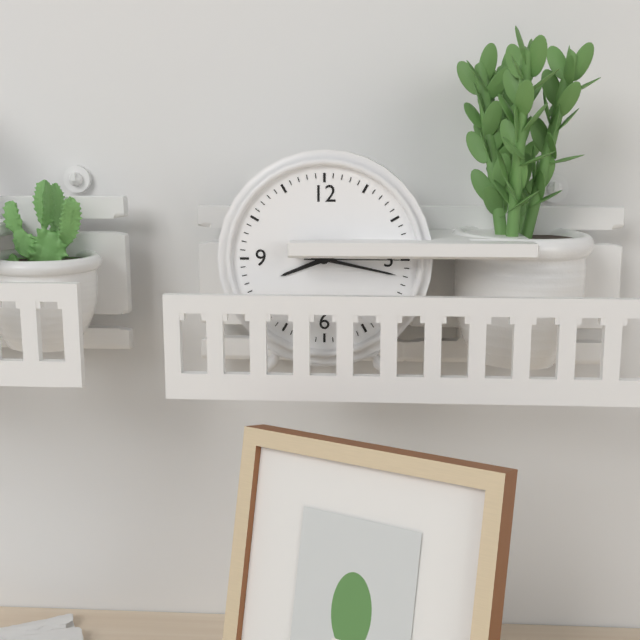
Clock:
8 h 17 min 15 s
